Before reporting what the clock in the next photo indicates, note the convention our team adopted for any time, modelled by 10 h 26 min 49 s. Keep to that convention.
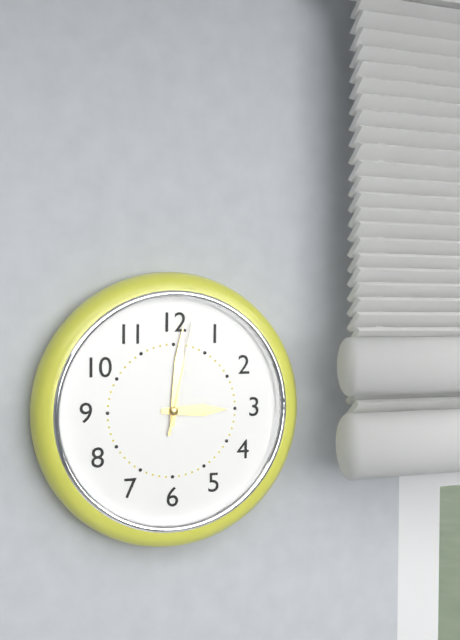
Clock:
3 h 01 min 02 s
